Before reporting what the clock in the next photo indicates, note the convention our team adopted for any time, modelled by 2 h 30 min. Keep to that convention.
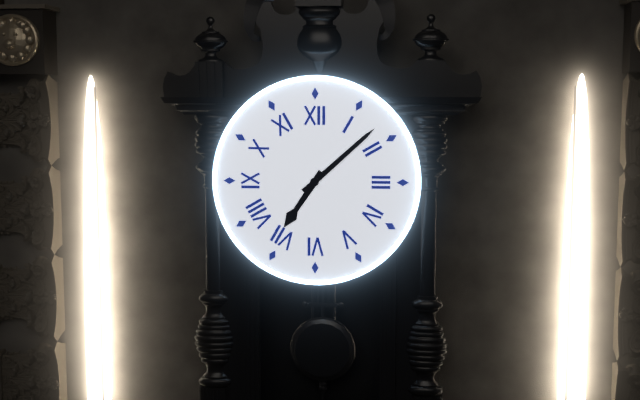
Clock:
7 h 08 min
